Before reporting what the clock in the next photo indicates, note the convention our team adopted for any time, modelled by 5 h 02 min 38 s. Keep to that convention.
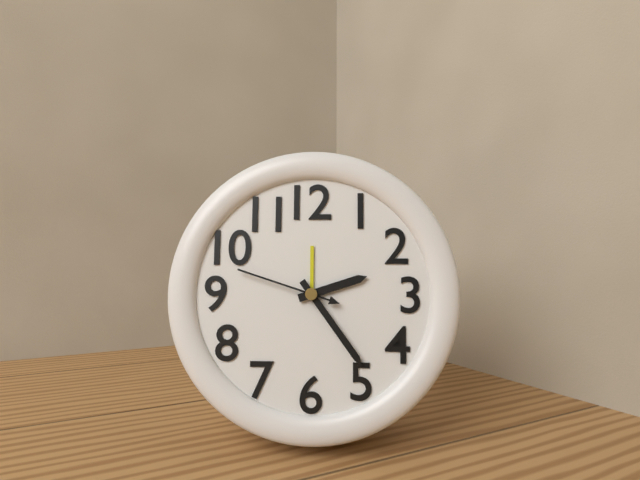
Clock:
2 h 24 min 48 s
